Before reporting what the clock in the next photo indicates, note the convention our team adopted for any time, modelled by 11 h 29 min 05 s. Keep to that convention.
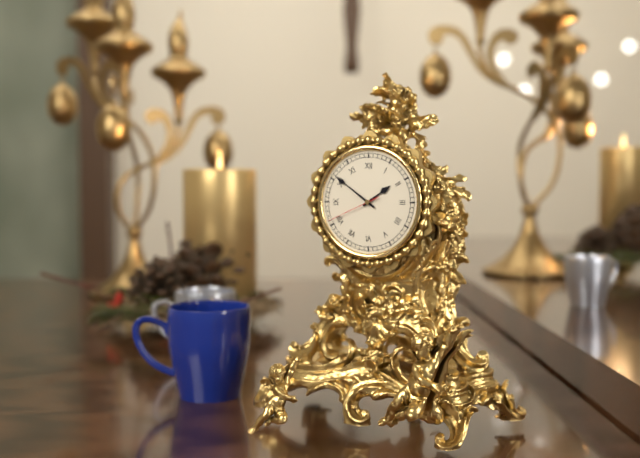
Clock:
1 h 51 min 41 s
